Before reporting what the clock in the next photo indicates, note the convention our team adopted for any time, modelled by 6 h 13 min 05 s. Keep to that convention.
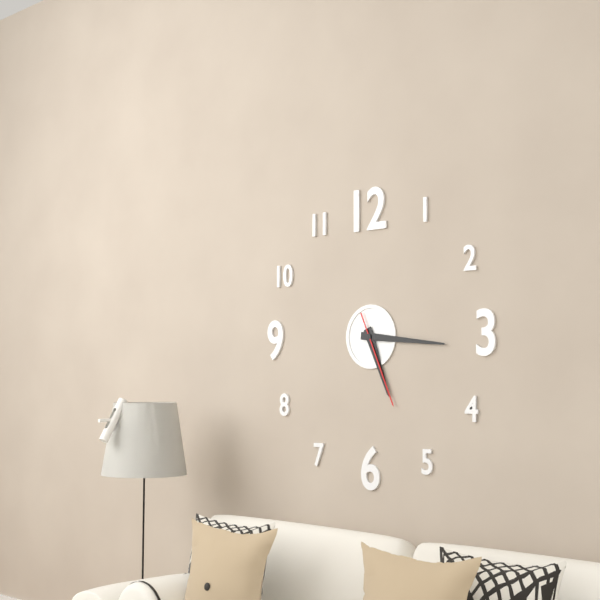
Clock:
5 h 16 min 26 s
